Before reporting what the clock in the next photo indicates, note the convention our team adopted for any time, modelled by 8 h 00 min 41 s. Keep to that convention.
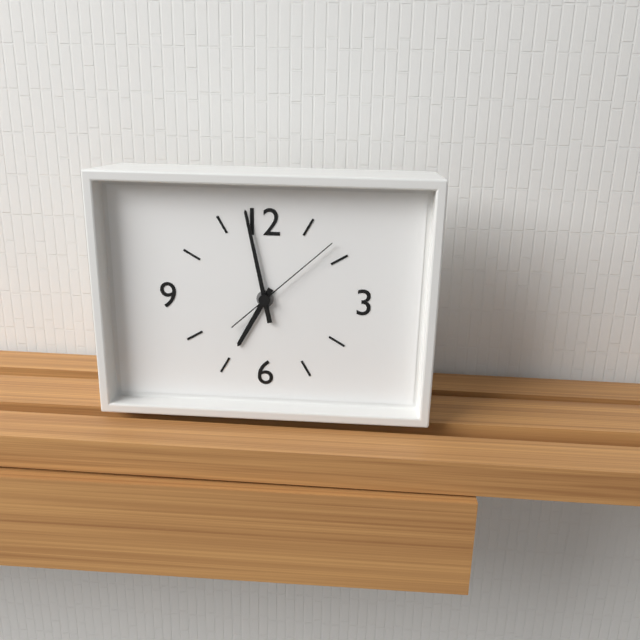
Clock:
6 h 58 min 08 s
